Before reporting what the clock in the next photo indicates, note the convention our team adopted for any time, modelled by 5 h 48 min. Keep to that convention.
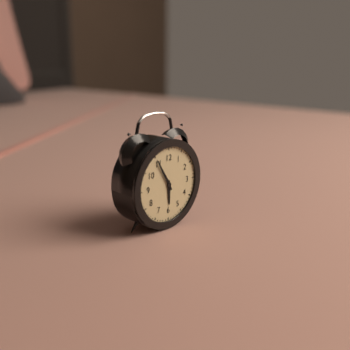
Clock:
5 h 55 min
